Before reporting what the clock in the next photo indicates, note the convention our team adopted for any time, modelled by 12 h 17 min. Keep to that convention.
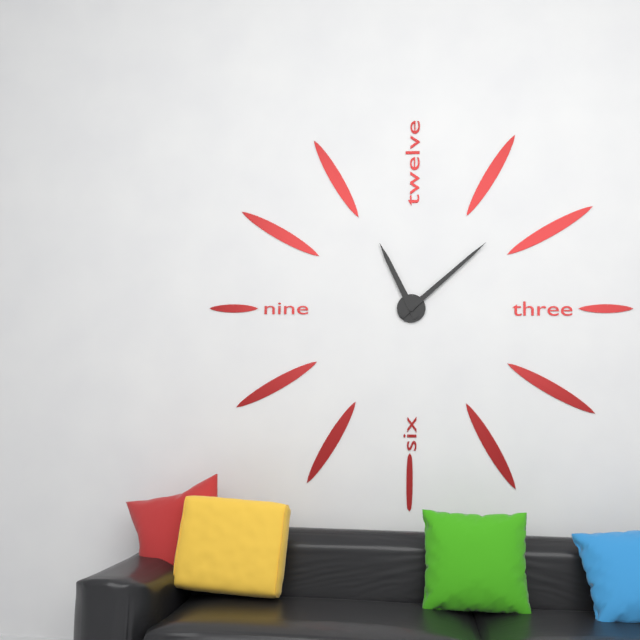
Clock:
11 h 08 min
